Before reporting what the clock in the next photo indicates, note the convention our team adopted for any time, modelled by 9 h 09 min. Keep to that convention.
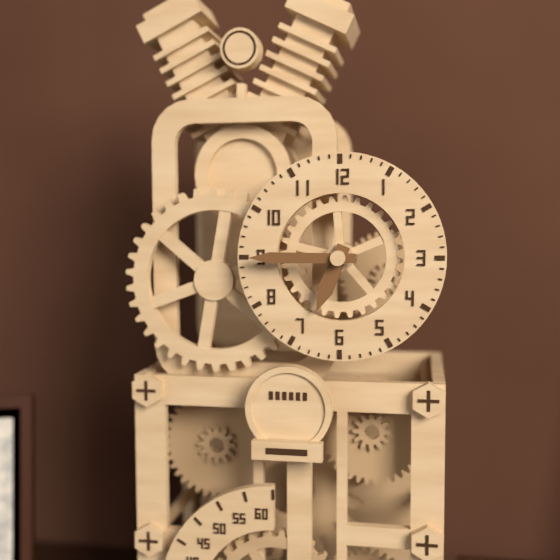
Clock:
6 h 45 min
